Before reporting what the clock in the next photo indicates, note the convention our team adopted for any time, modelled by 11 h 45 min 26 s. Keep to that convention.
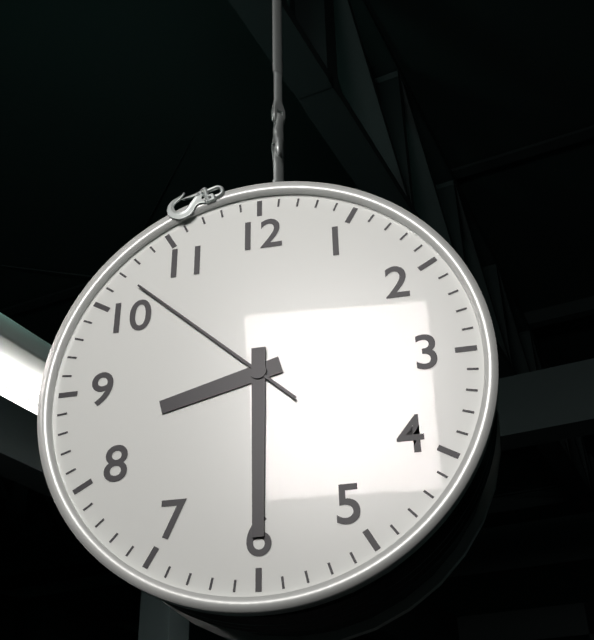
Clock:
8 h 30 min 52 s
